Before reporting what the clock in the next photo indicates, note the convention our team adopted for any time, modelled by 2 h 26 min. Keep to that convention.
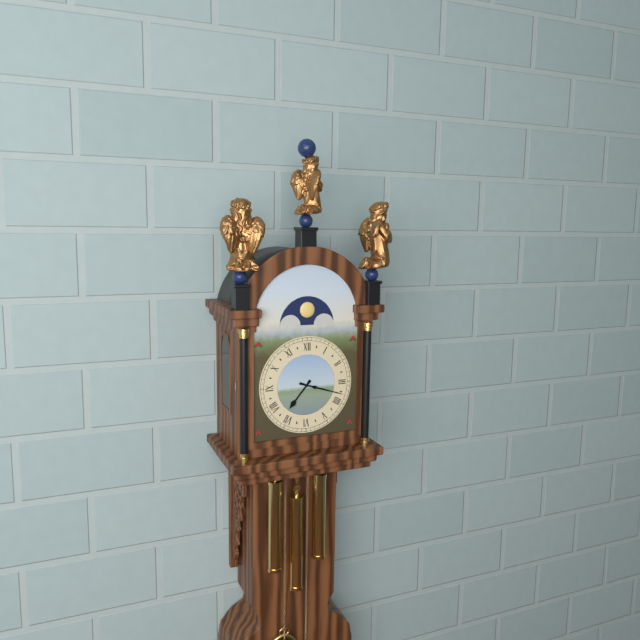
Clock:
7 h 18 min
